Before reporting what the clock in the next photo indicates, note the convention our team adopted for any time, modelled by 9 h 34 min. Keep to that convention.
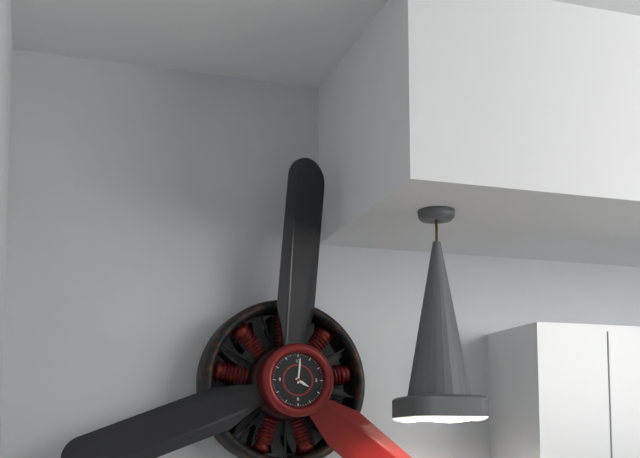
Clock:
4 h 01 min
